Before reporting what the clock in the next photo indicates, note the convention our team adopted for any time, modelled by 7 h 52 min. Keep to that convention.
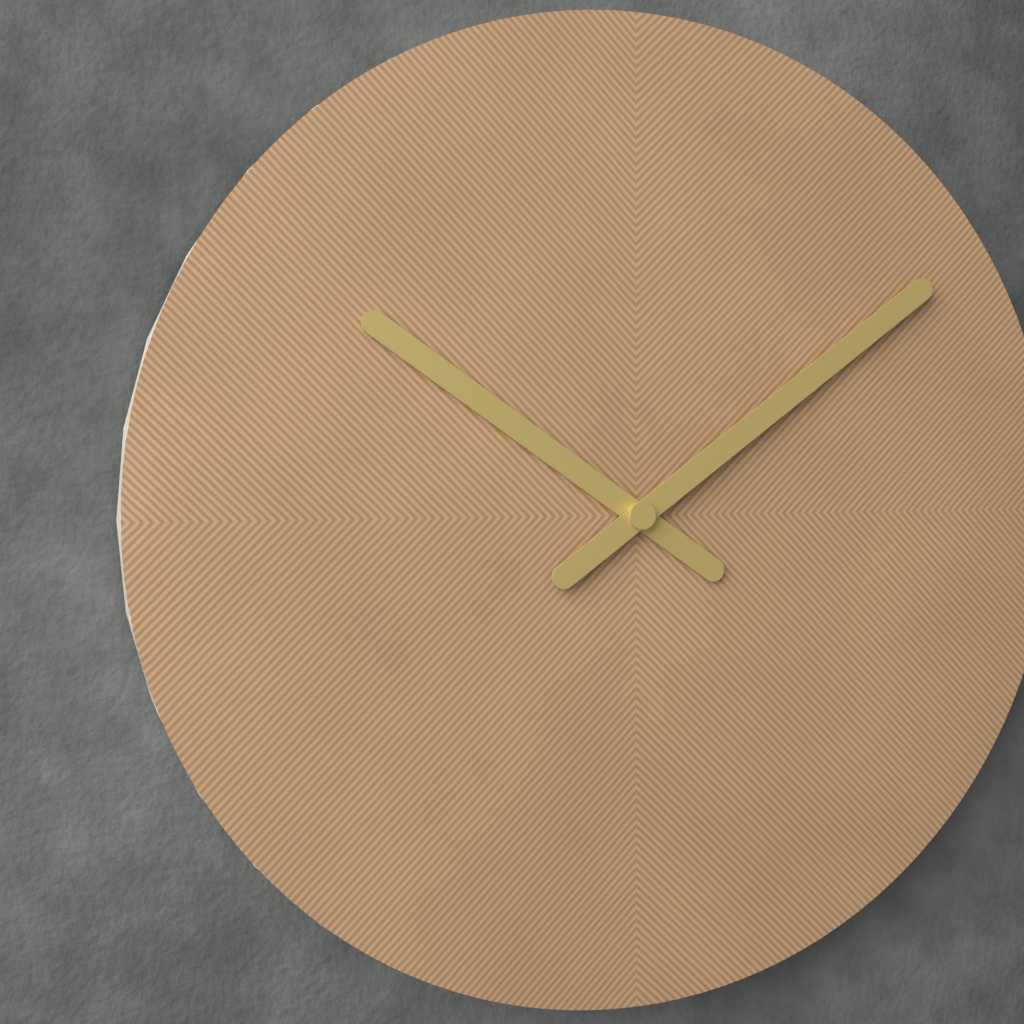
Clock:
10 h 09 min
